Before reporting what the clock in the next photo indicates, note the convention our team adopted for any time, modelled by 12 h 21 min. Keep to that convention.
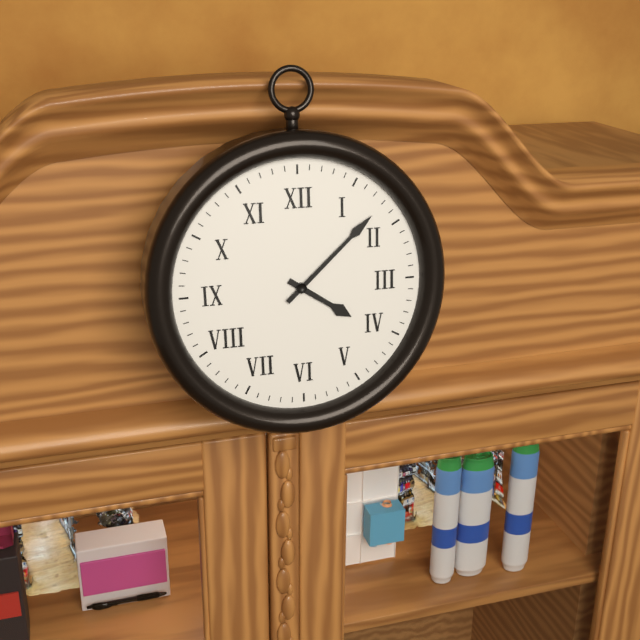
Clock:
4 h 08 min
